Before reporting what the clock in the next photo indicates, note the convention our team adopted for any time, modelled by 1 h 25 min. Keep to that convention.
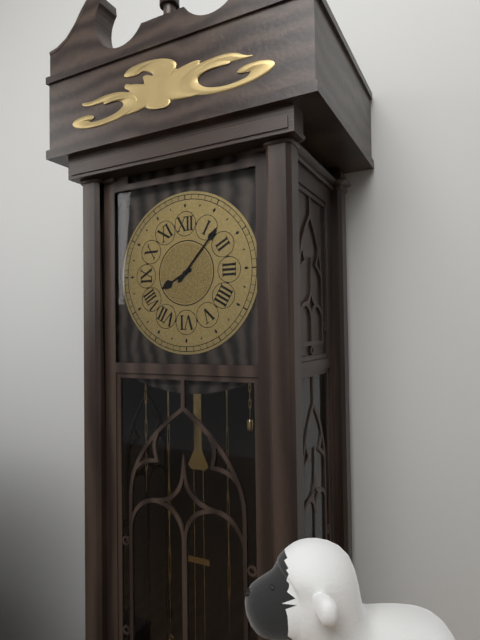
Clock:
8 h 07 min
